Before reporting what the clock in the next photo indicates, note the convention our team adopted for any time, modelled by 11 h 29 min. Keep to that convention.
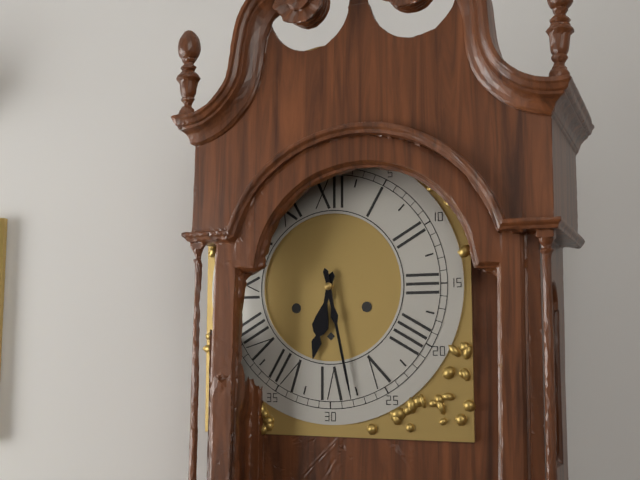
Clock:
6 h 28 min
